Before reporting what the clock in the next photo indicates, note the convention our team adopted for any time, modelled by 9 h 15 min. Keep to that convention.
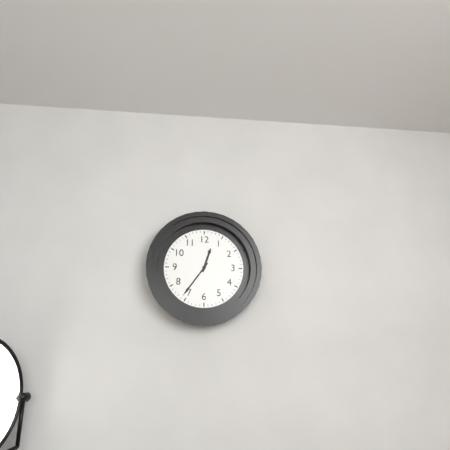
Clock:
12 h 36 min
